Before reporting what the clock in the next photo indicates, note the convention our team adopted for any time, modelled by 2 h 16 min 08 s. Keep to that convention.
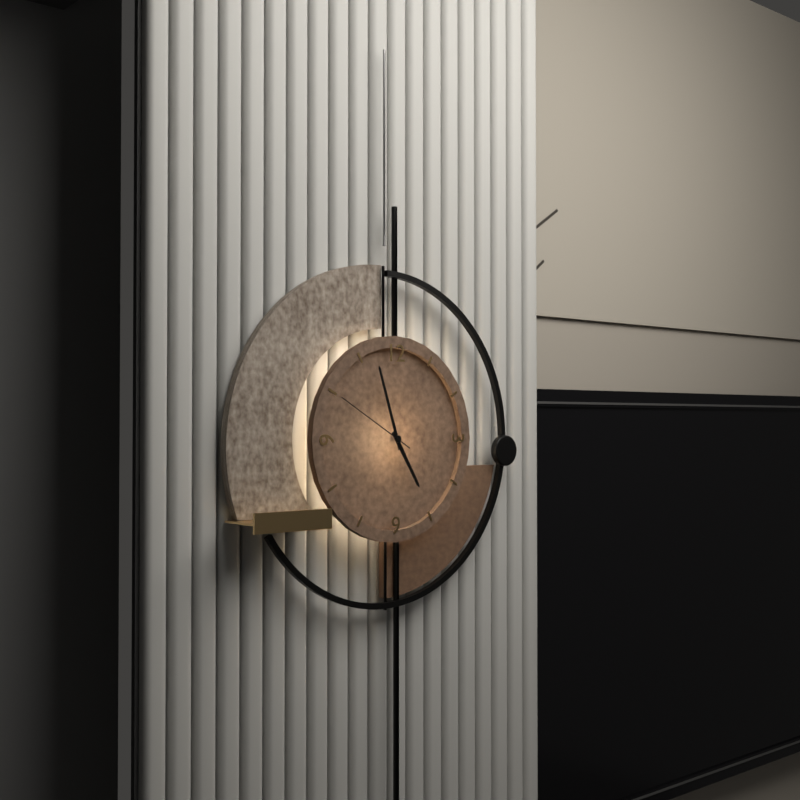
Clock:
4 h 57 min 50 s
